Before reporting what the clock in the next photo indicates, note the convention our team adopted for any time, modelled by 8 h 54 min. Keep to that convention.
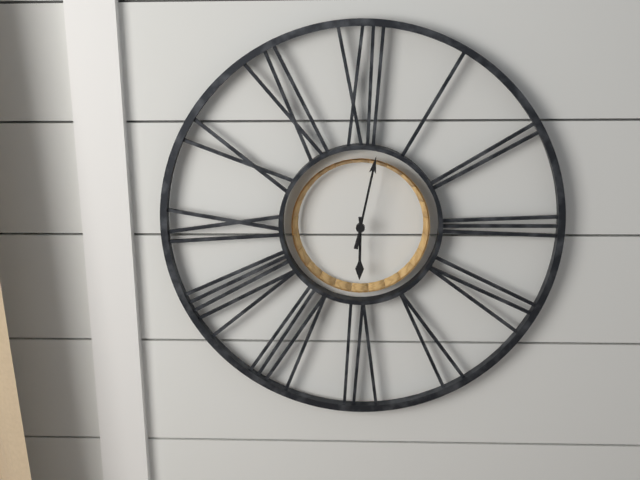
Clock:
6 h 02 min
